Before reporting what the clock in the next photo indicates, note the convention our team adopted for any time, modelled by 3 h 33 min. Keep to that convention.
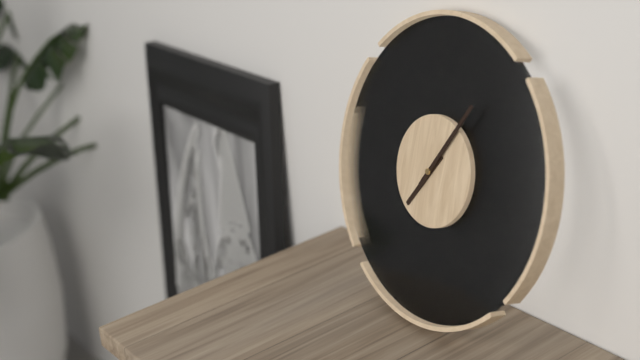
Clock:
7 h 05 min
